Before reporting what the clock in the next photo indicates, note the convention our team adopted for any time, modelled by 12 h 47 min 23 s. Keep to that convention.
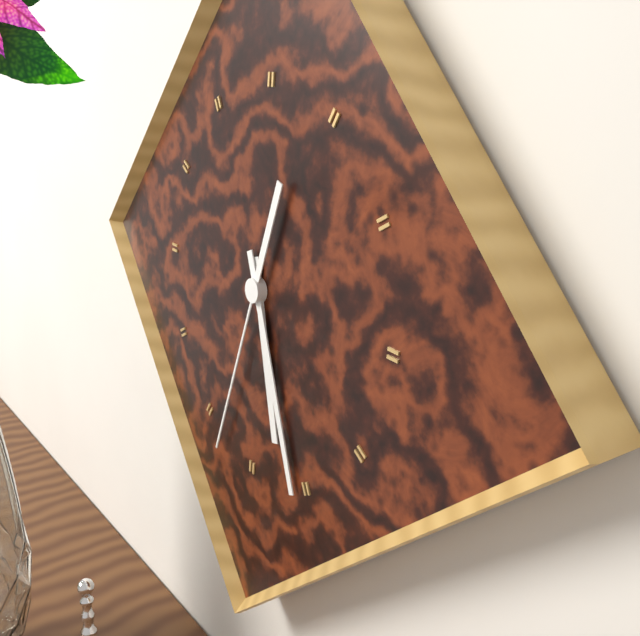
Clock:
5 h 26 min 33 s
